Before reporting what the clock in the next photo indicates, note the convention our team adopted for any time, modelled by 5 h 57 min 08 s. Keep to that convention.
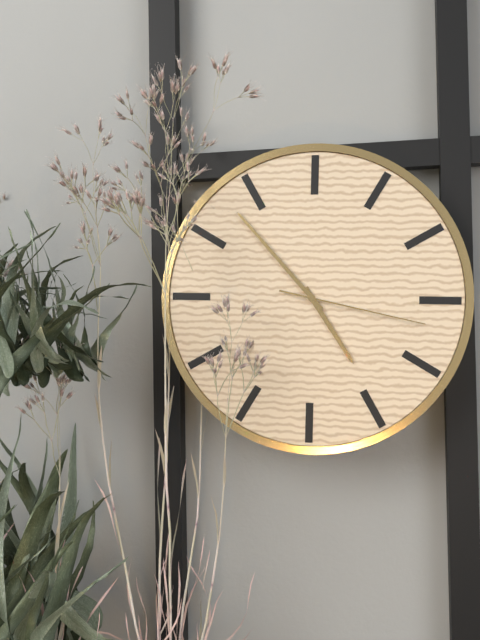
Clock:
4 h 53 min 17 s
